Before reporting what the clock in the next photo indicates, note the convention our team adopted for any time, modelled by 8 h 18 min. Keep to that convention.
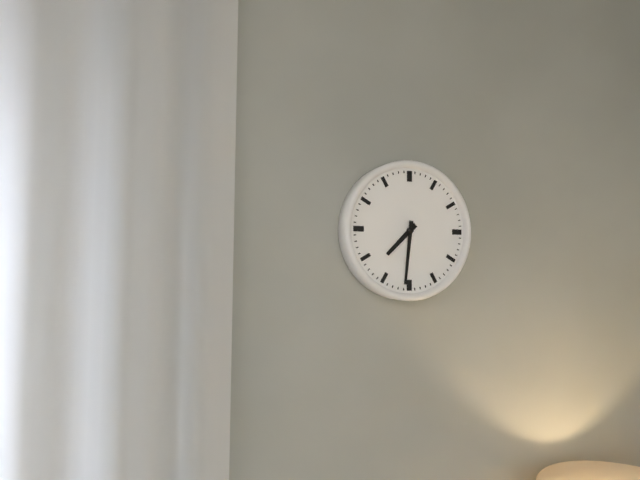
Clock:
7 h 31 min
